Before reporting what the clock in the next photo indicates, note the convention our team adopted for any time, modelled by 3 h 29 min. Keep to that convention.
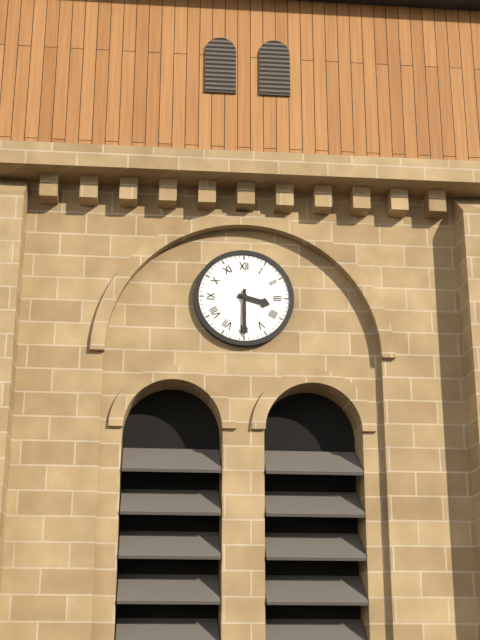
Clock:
3 h 30 min
